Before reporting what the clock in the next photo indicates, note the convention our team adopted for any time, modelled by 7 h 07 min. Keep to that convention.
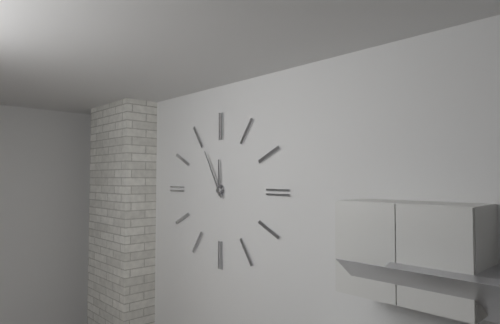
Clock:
11 h 55 min
